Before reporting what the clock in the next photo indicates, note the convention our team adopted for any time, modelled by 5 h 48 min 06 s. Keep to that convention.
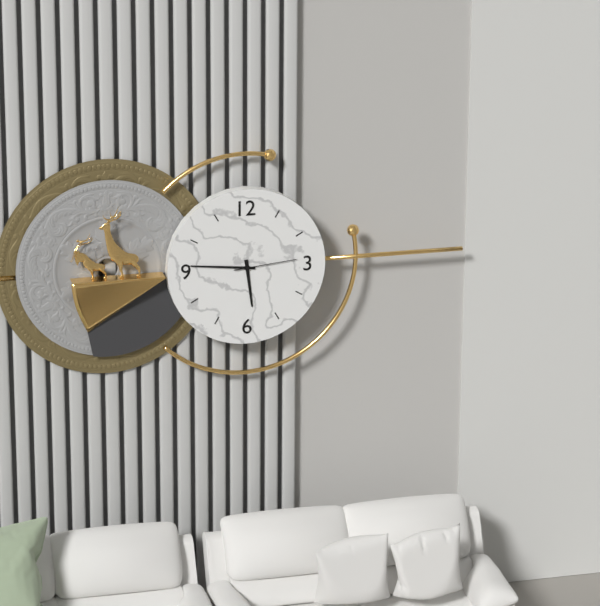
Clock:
5 h 46 min 14 s
